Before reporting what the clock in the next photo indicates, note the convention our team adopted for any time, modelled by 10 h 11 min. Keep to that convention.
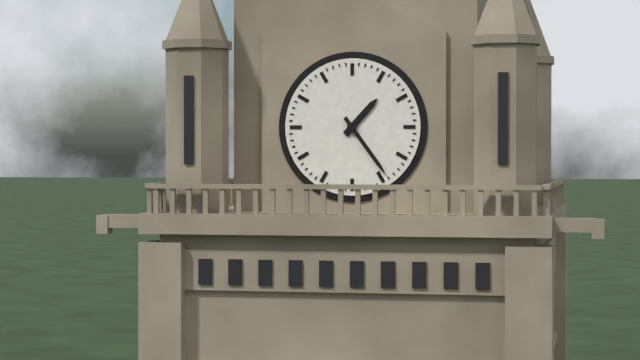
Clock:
1 h 24 min
